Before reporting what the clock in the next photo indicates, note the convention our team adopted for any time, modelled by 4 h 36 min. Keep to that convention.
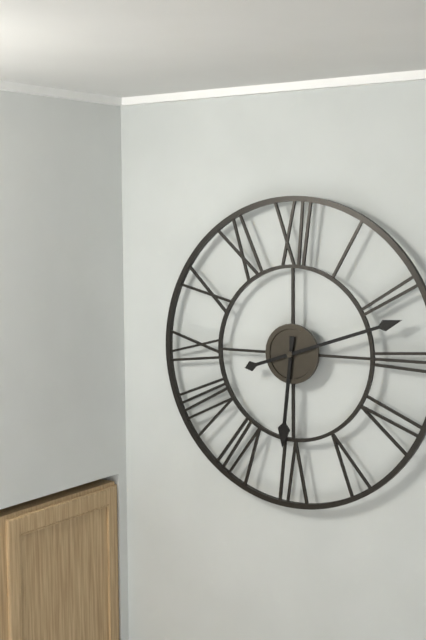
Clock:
6 h 12 min
